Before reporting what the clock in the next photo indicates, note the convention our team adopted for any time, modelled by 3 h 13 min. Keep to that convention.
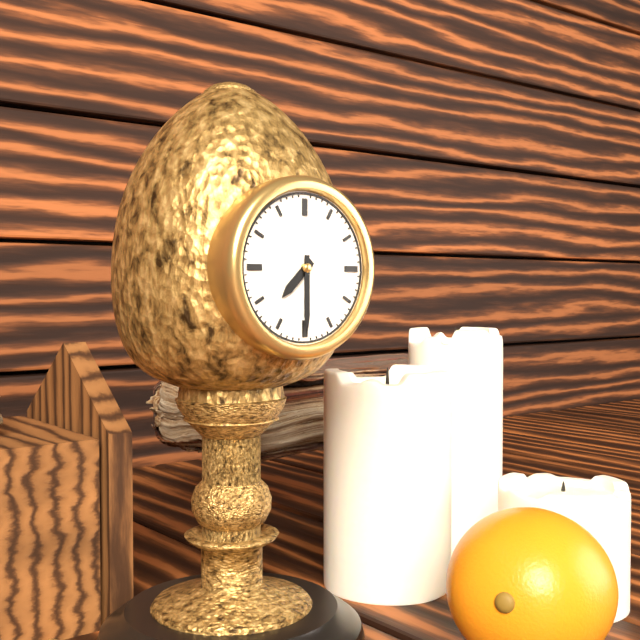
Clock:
7 h 30 min
